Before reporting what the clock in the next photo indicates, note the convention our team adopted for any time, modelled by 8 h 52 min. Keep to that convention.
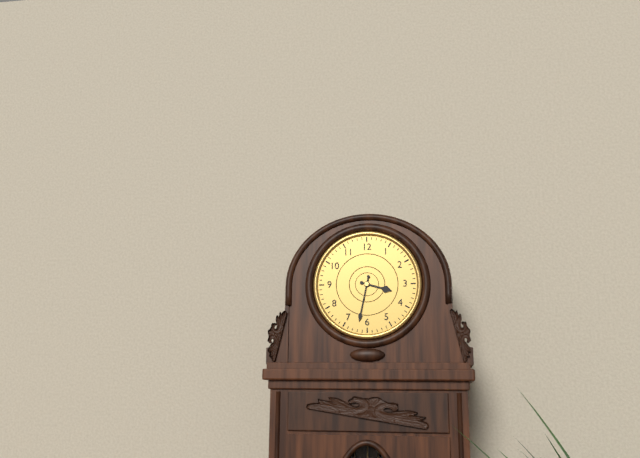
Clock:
3 h 32 min
